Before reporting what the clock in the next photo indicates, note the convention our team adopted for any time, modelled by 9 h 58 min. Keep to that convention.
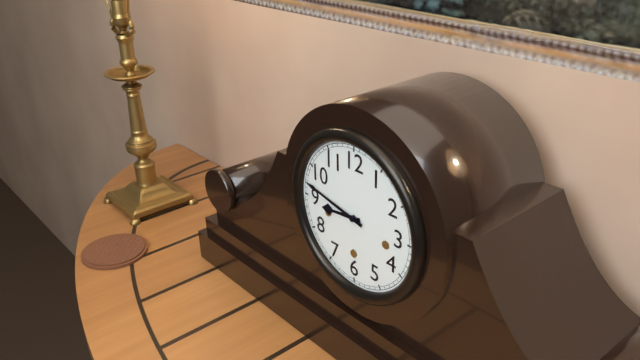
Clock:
8 h 47 min
